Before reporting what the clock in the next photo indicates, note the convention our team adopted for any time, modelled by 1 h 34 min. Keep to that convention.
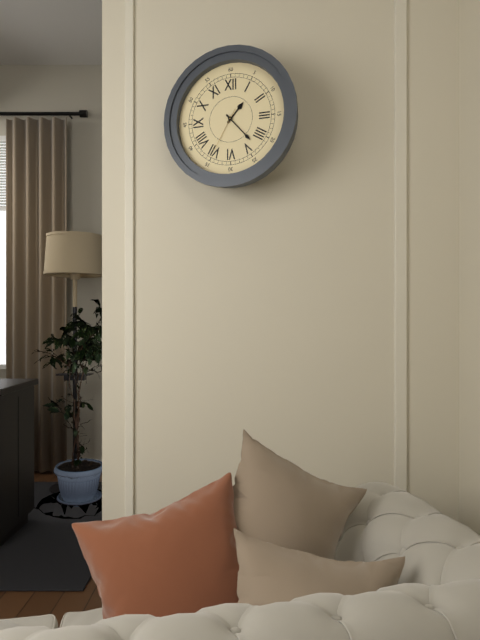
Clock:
1 h 23 min
